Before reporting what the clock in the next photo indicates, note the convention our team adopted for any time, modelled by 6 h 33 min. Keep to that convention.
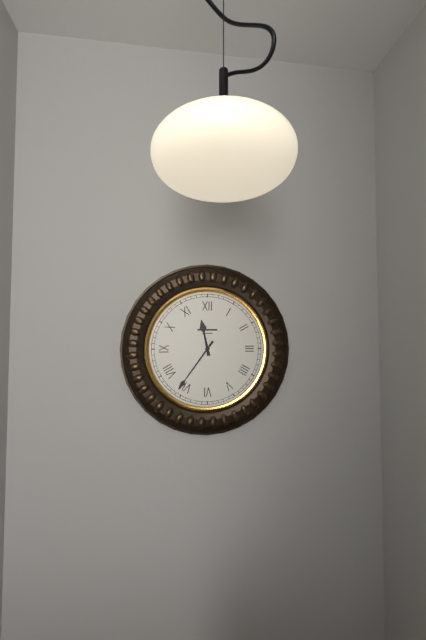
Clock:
11 h 36 min
